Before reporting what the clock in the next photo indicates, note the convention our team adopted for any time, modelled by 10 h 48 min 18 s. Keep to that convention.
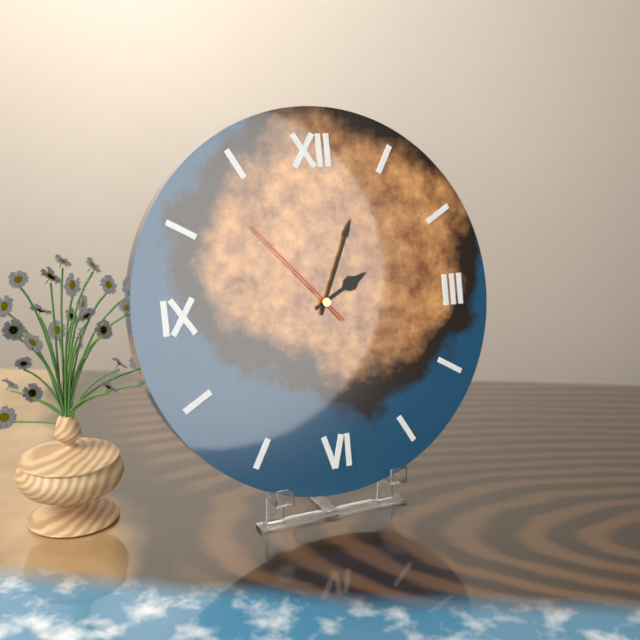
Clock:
2 h 04 min 53 s
